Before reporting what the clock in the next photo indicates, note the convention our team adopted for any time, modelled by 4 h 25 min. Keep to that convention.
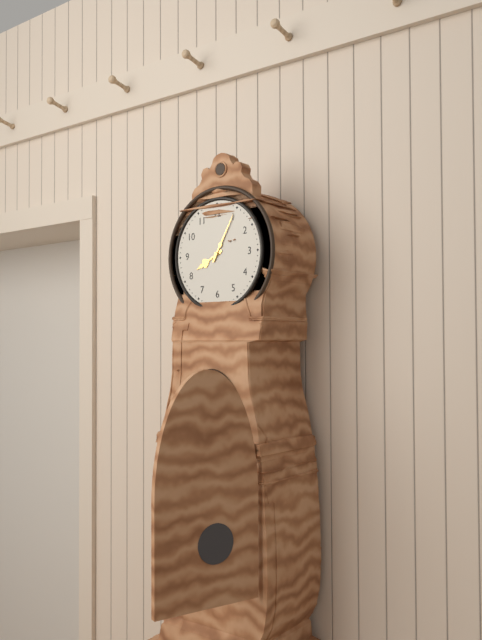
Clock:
8 h 05 min
